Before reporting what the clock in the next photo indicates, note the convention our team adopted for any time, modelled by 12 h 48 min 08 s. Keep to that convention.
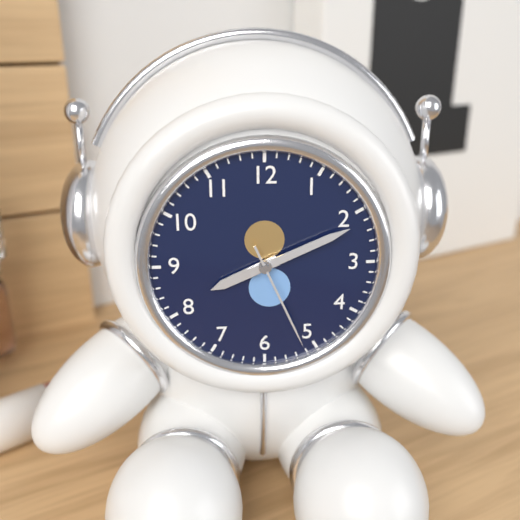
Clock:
8 h 11 min 26 s
